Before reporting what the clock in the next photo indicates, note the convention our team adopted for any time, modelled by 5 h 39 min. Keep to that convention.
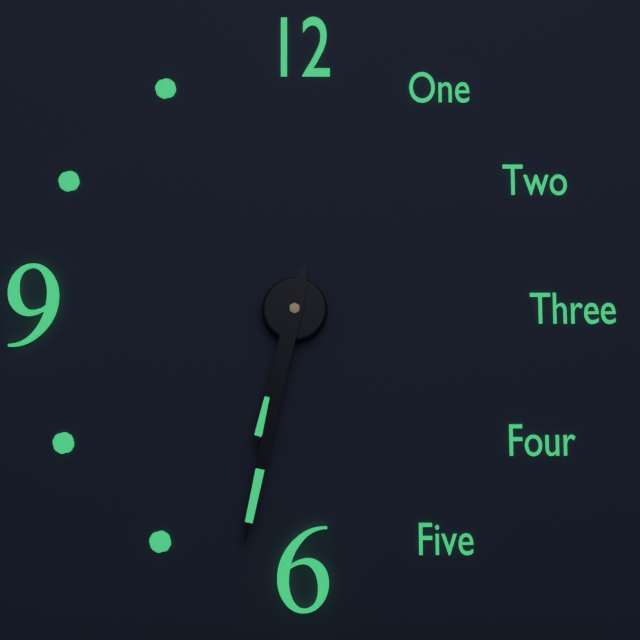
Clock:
6 h 32 min
